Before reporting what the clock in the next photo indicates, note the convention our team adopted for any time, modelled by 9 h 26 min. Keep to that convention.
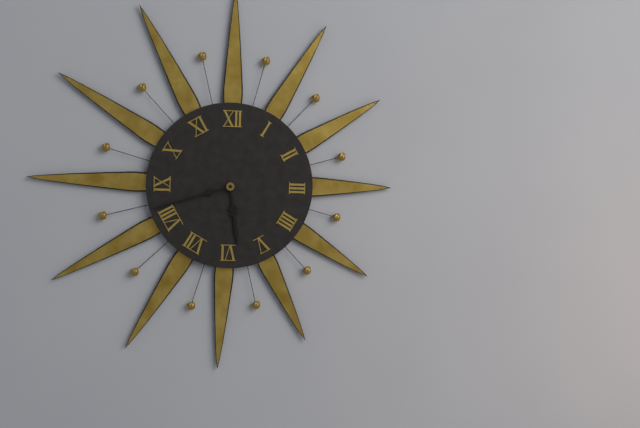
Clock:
5 h 42 min
